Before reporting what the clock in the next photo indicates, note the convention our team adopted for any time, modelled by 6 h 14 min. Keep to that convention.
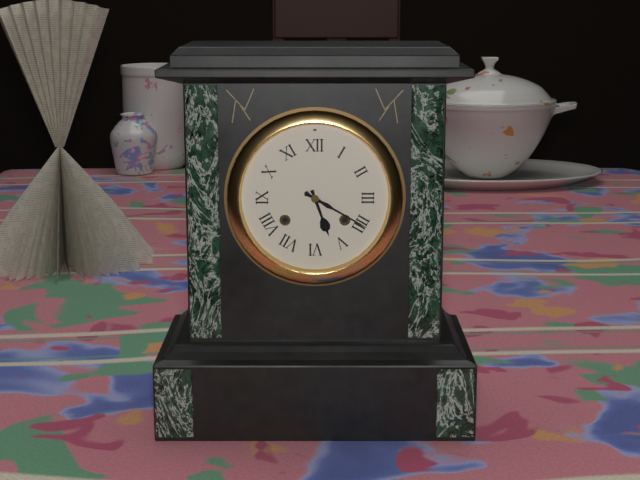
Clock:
5 h 20 min
